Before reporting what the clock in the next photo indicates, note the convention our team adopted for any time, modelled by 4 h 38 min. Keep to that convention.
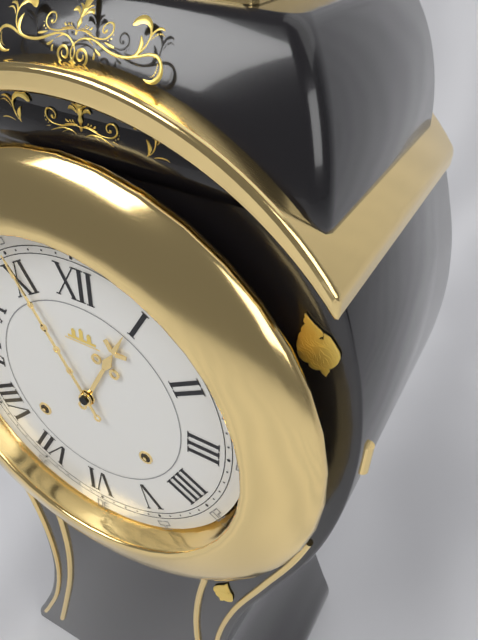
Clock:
12 h 55 min
